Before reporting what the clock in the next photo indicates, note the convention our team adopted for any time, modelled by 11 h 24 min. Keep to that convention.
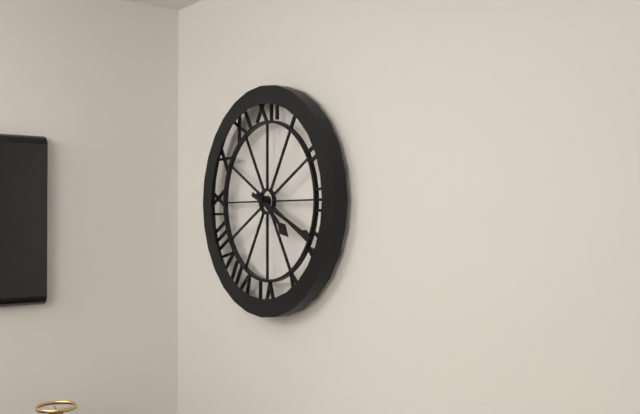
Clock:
4 h 19 min
